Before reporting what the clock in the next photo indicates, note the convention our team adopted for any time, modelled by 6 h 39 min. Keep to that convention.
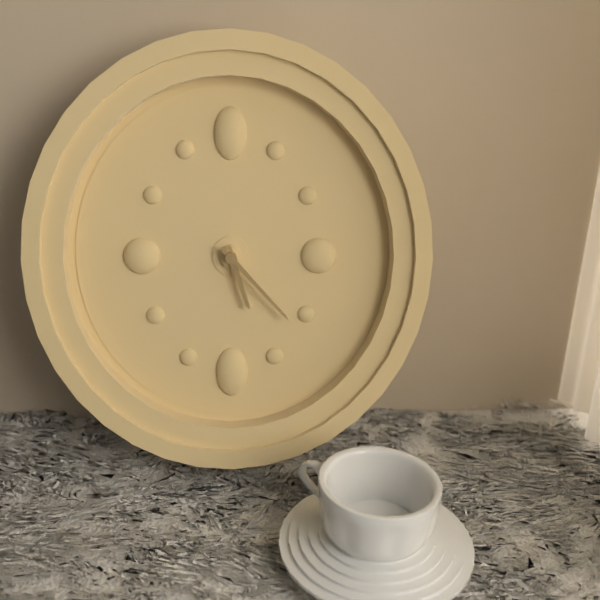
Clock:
5 h 23 min
